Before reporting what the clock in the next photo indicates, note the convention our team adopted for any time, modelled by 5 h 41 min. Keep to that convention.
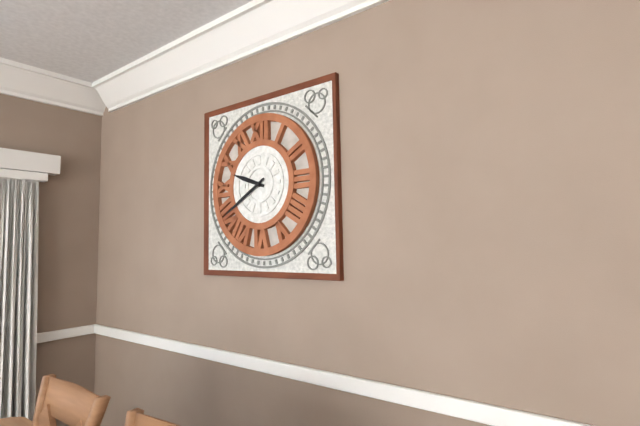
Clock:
9 h 40 min
